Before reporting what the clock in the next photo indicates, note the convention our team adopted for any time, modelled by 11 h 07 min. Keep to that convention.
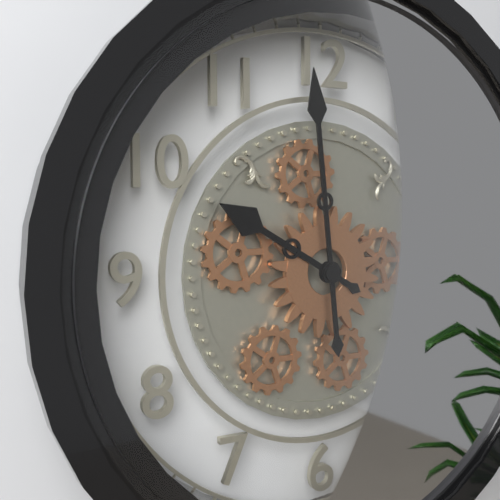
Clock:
9 h 59 min
